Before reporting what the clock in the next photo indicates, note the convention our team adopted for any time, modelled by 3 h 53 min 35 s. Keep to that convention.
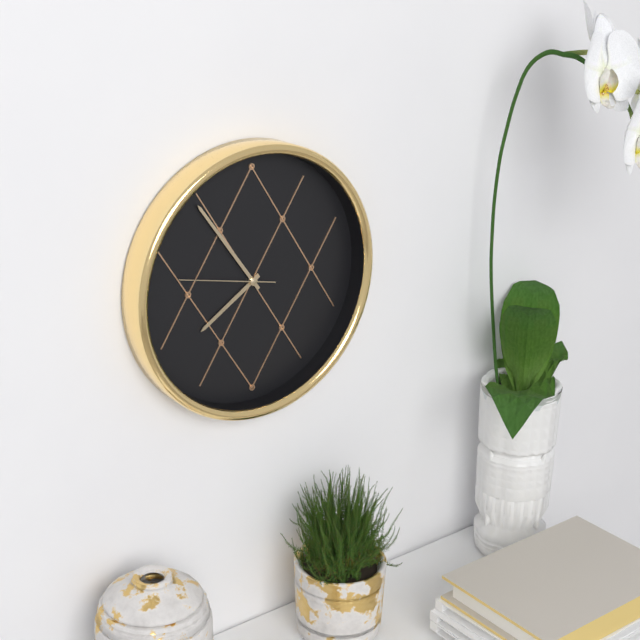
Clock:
7 h 54 min 47 s
